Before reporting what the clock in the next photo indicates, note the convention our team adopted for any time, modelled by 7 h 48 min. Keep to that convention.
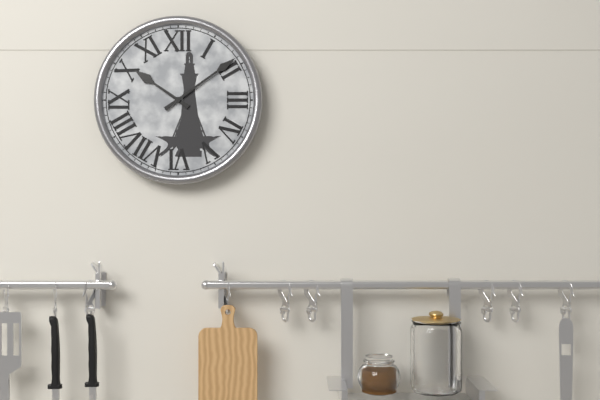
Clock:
10 h 09 min
